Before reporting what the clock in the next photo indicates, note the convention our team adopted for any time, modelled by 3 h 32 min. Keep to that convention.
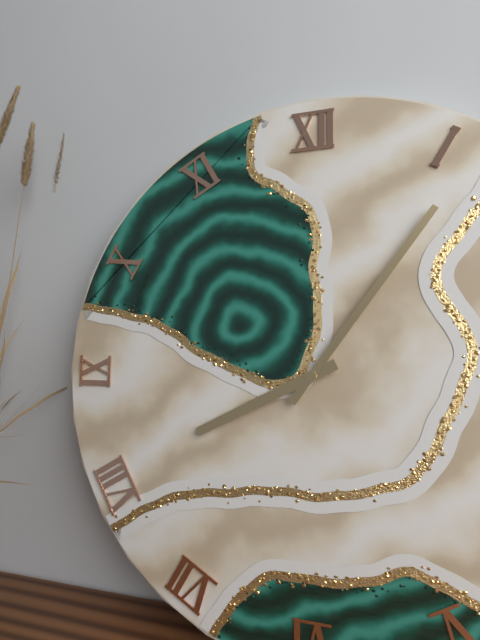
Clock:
8 h 06 min
